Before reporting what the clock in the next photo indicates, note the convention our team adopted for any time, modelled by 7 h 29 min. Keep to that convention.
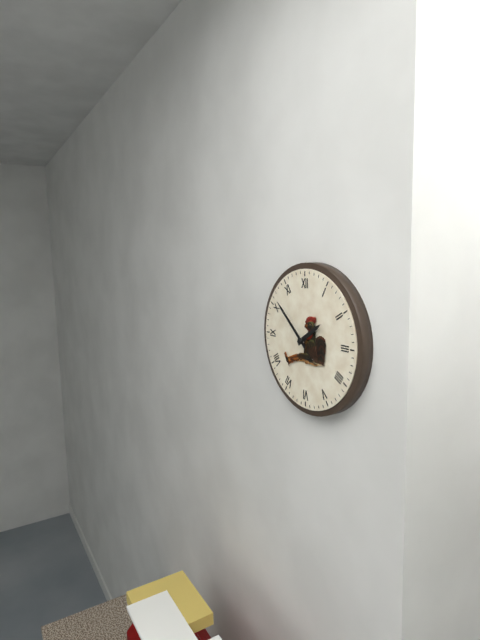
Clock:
1 h 52 min
